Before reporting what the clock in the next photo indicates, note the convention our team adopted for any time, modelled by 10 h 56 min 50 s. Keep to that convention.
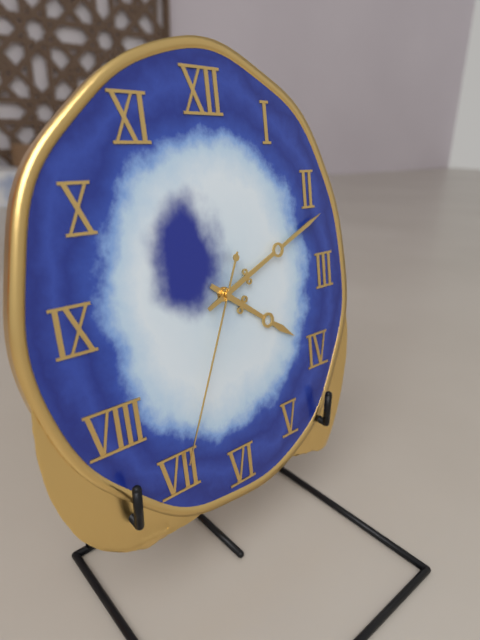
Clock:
4 h 11 min 34 s
